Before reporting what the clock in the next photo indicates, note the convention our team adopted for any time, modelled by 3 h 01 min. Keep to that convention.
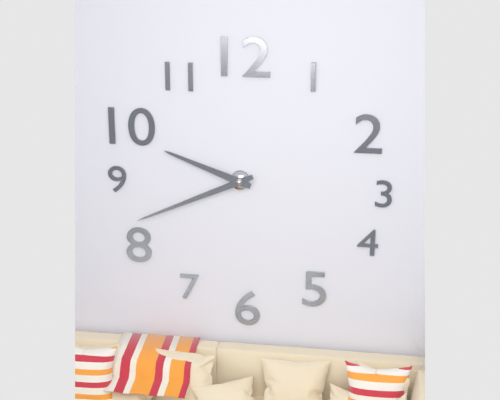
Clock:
9 h 41 min
